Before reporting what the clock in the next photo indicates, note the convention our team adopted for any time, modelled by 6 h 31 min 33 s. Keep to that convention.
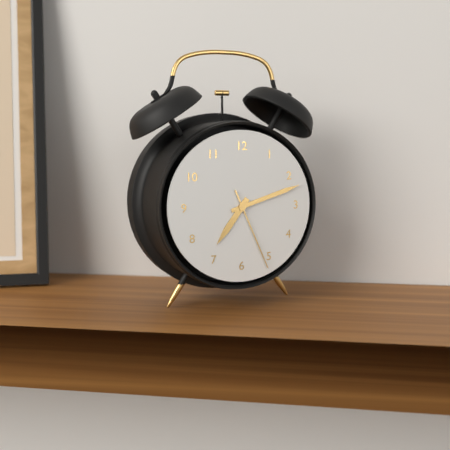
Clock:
7 h 12 min 26 s
